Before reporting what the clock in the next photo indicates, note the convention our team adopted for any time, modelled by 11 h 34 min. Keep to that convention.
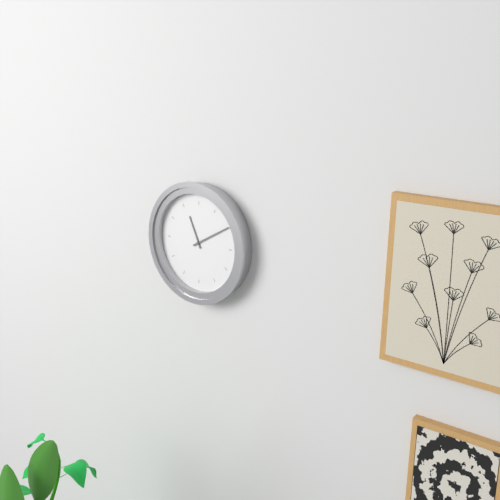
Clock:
11 h 10 min
